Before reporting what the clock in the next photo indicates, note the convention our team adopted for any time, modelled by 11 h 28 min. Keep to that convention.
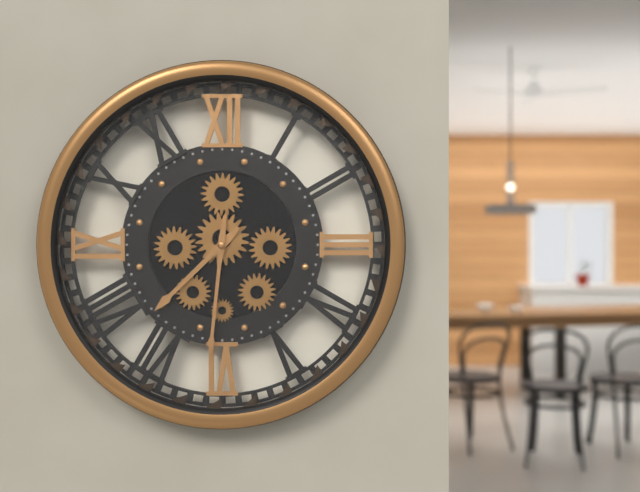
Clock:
7 h 31 min
